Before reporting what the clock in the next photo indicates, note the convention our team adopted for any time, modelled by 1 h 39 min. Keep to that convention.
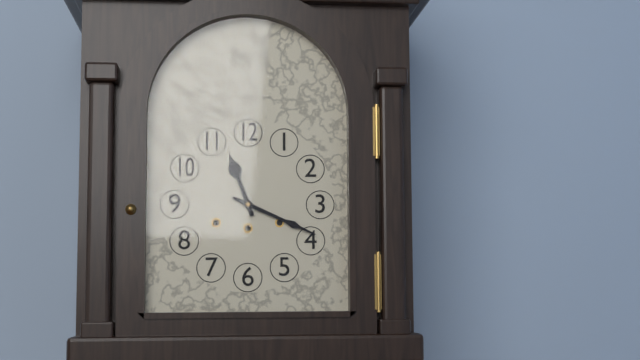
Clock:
11 h 19 min
